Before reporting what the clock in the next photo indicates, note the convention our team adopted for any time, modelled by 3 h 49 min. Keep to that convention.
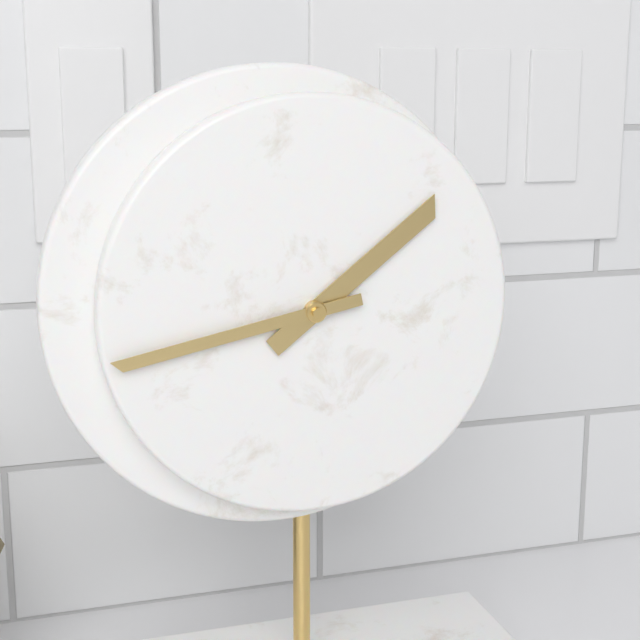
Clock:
1 h 43 min
